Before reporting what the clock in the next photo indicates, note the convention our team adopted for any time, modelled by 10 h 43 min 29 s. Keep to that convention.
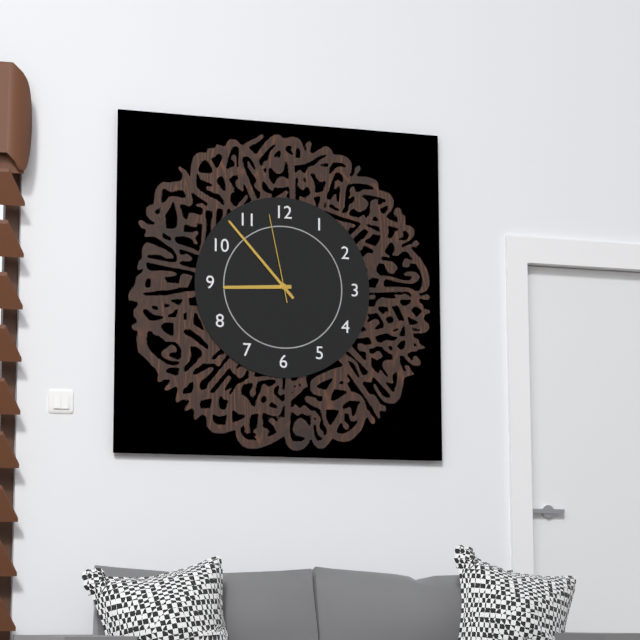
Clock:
8 h 53 min 58 s
